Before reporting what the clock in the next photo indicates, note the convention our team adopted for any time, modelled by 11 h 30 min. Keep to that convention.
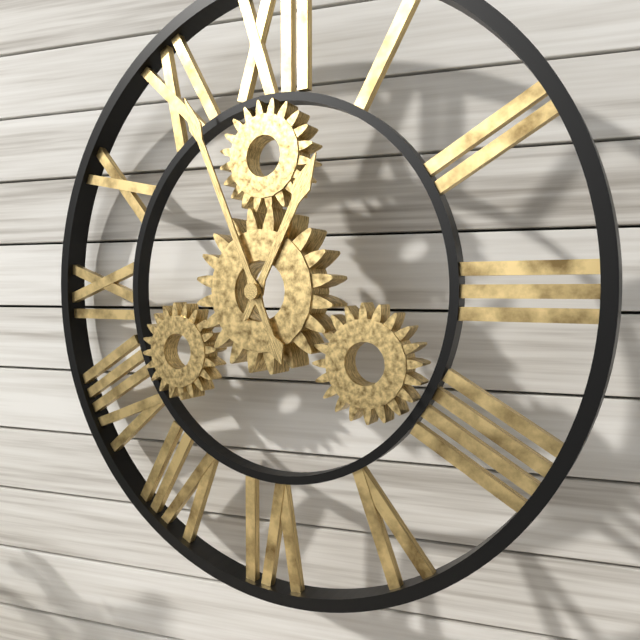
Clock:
12 h 56 min
